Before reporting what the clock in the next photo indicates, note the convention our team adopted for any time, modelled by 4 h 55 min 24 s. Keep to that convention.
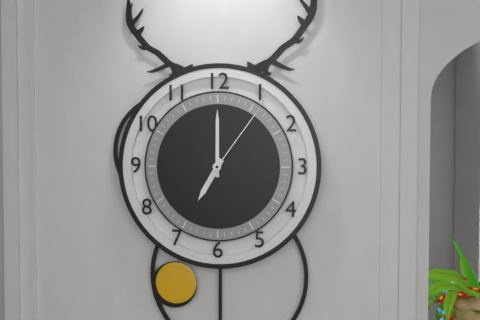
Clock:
7 h 00 min 06 s
